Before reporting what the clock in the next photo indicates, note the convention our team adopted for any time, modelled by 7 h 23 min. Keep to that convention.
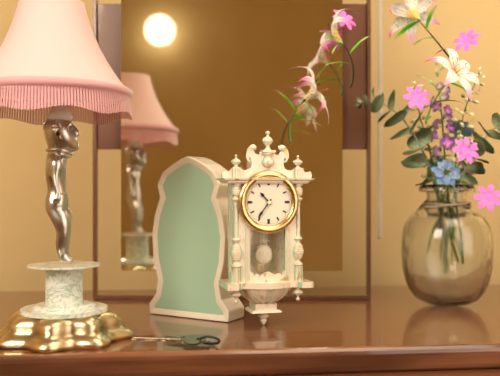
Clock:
10 h 36 min
